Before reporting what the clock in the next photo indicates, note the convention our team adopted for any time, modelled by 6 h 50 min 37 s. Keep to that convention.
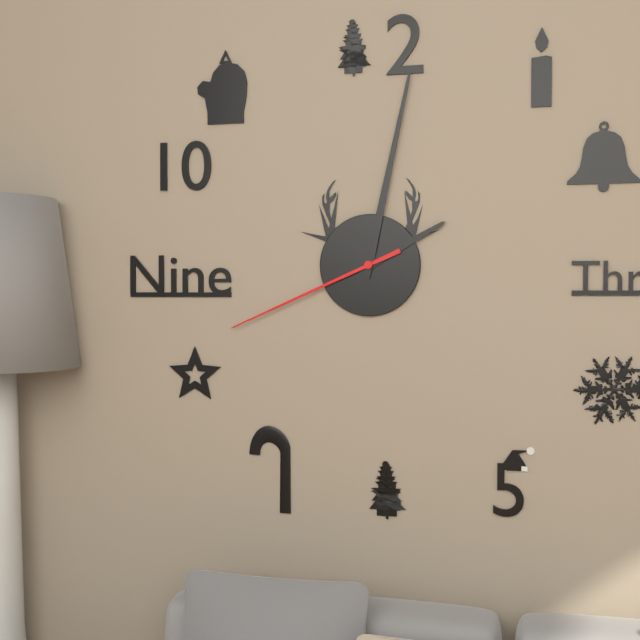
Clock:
2 h 02 min 41 s
